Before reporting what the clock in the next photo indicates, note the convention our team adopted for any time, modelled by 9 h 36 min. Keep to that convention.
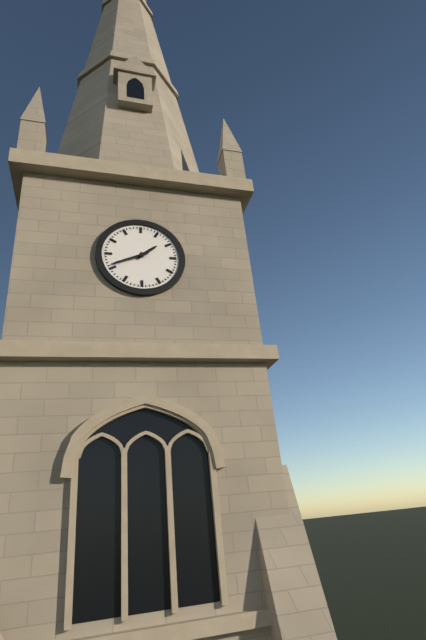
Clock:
1 h 41 min
